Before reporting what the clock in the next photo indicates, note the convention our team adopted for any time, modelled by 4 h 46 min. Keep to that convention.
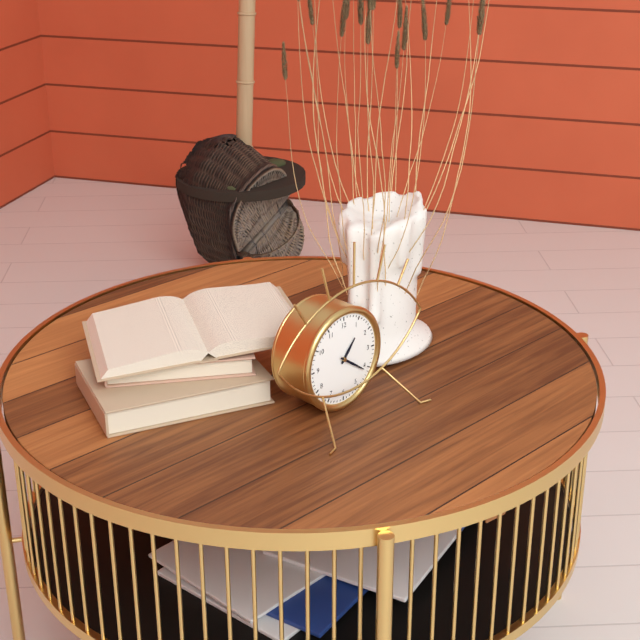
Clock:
1 h 21 min
